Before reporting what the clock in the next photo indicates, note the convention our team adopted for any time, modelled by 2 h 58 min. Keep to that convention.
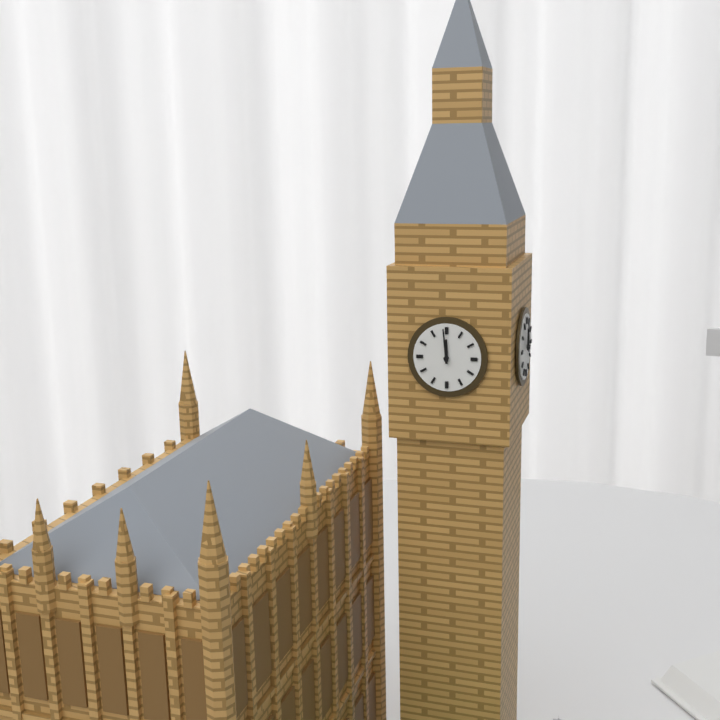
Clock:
11 h 59 min
